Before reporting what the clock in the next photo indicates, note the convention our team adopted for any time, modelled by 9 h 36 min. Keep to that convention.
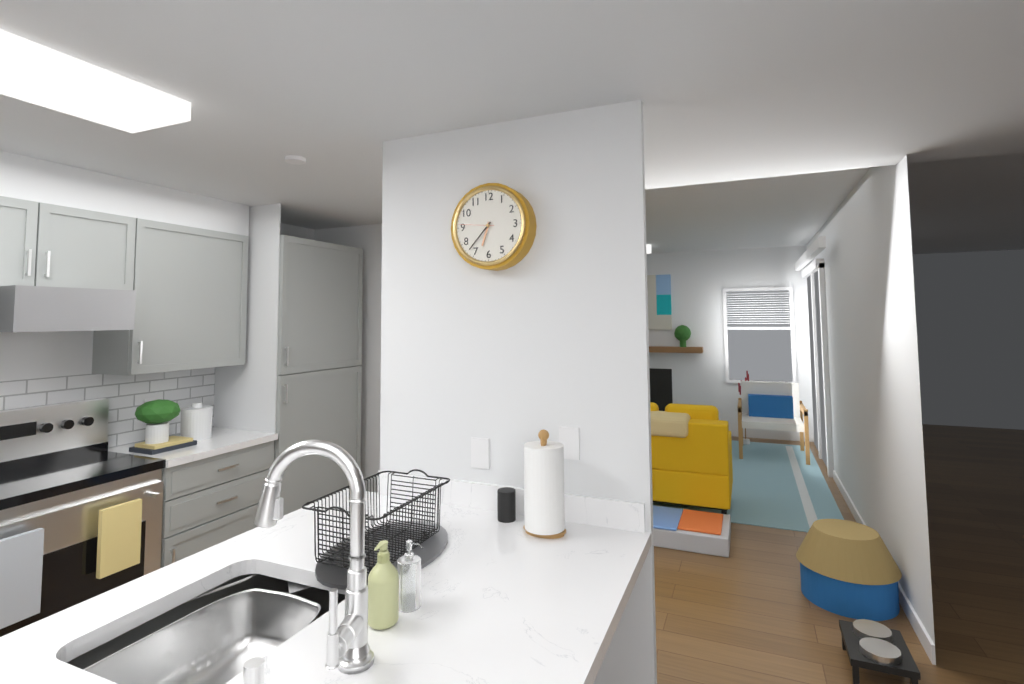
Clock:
6 h 37 min
